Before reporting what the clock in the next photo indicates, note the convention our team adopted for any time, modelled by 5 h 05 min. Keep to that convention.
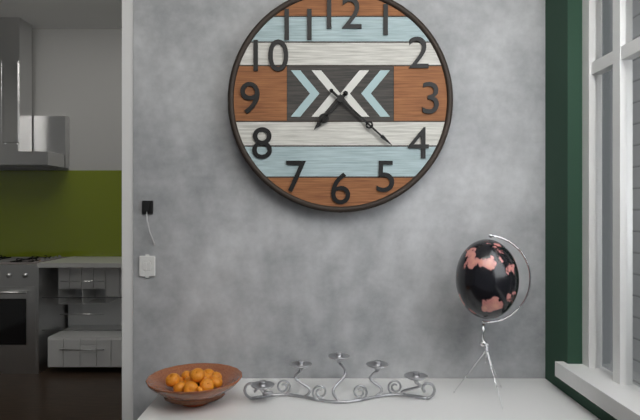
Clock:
7 h 22 min
